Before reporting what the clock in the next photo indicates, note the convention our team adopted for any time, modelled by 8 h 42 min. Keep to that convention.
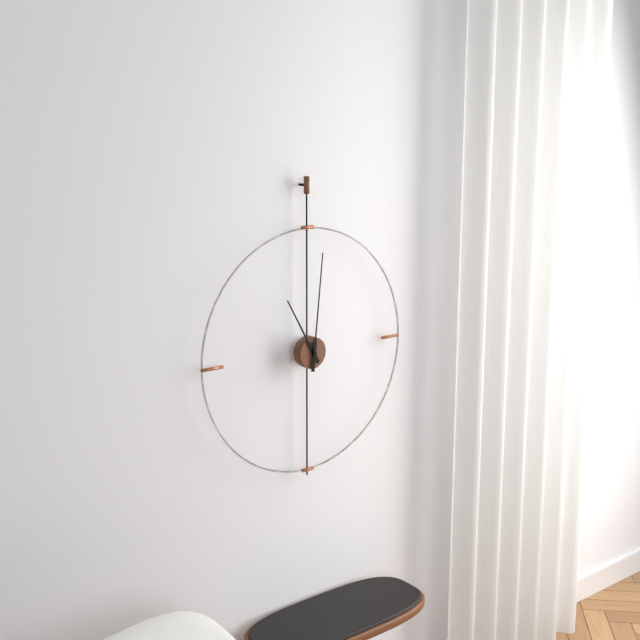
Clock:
11 h 01 min
